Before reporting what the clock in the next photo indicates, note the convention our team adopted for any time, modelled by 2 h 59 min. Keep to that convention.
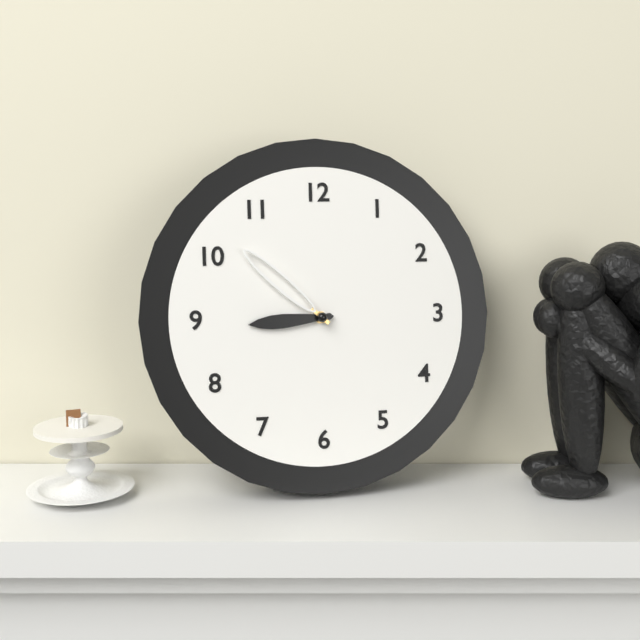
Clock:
8 h 52 min
